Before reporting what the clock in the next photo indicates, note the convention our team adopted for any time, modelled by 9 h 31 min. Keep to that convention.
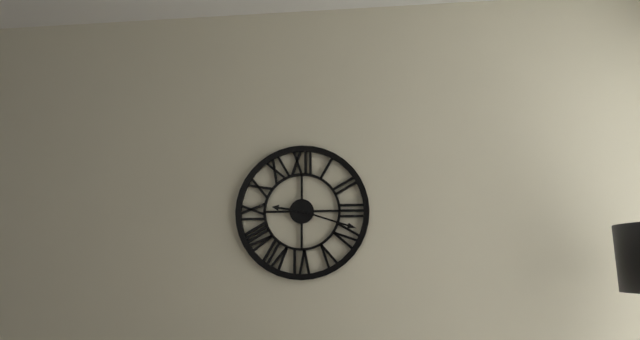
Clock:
9 h 18 min
